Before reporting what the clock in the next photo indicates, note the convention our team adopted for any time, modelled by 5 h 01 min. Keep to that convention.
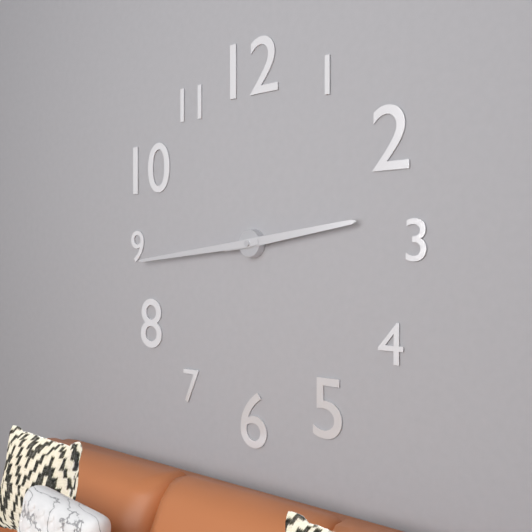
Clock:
2 h 44 min
